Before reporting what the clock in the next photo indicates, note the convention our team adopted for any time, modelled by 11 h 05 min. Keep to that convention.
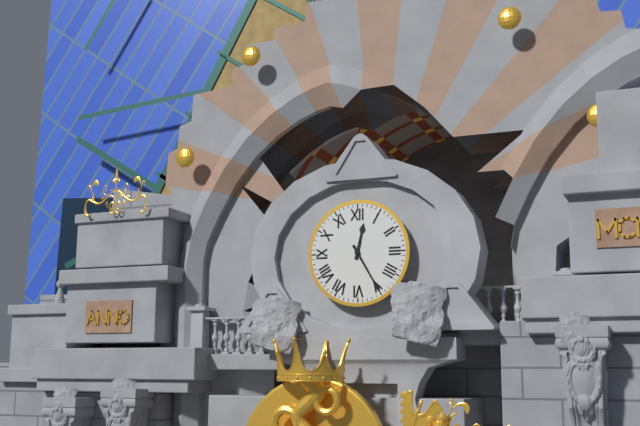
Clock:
12 h 25 min
